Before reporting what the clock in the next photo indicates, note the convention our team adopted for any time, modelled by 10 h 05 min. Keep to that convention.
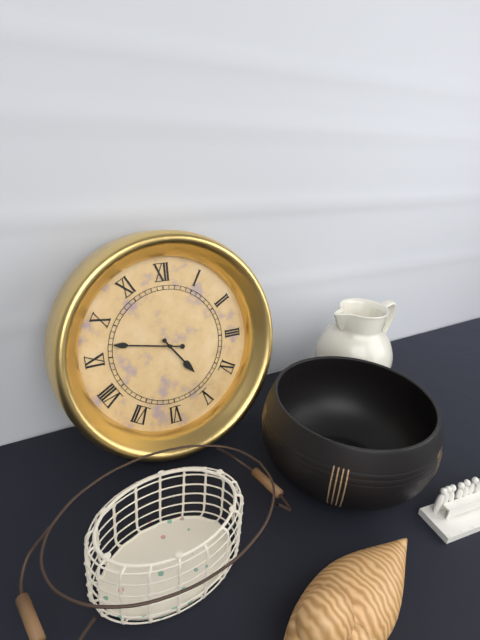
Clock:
4 h 47 min
